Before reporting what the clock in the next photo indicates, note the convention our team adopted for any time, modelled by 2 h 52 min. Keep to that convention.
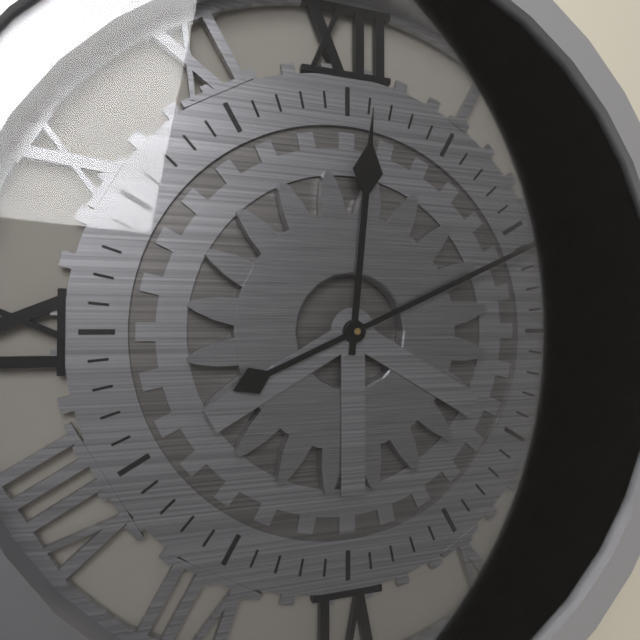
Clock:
12 h 11 min
